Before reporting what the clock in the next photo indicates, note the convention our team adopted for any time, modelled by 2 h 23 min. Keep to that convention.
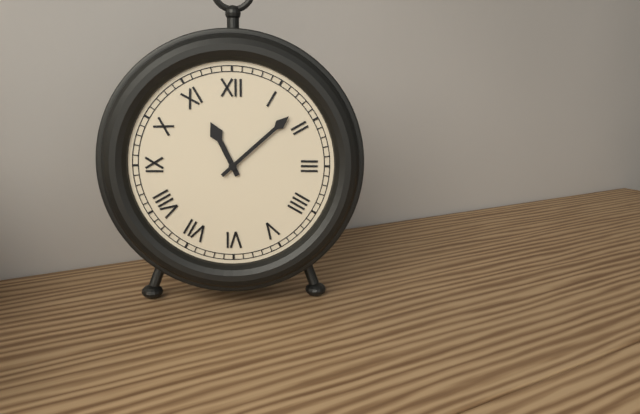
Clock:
11 h 08 min
